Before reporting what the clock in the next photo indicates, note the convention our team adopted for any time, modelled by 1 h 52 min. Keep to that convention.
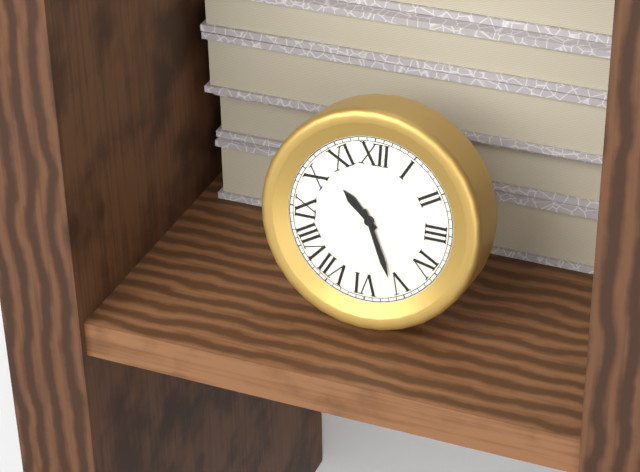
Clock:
10 h 26 min
